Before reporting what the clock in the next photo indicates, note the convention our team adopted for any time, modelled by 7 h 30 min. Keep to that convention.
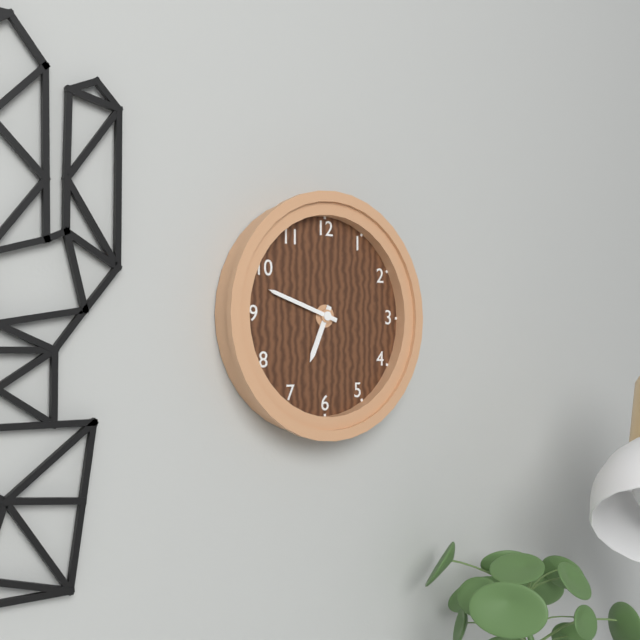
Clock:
6 h 48 min
